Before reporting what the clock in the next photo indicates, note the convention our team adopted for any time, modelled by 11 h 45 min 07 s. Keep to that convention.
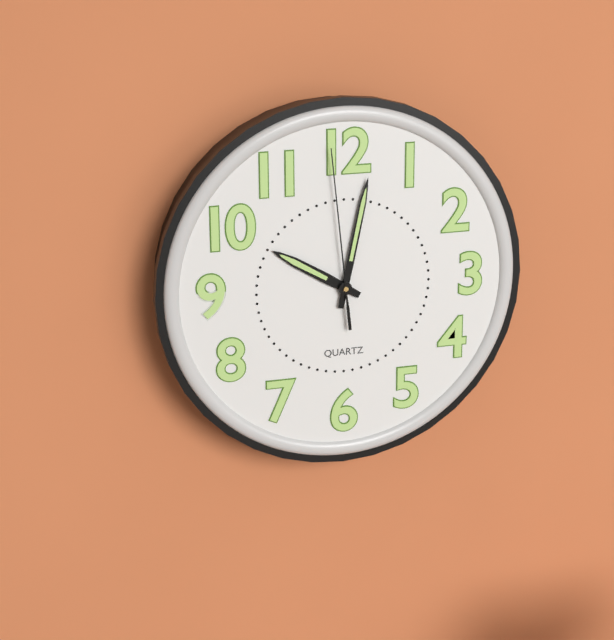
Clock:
10 h 02 min 59 s
